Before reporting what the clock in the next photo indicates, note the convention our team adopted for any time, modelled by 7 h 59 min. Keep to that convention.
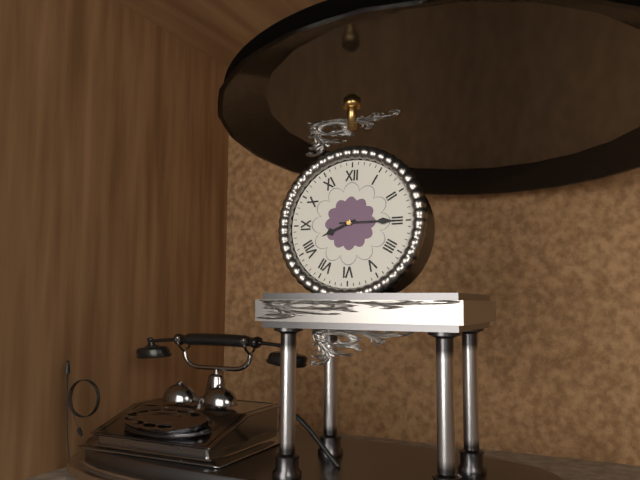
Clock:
8 h 15 min
